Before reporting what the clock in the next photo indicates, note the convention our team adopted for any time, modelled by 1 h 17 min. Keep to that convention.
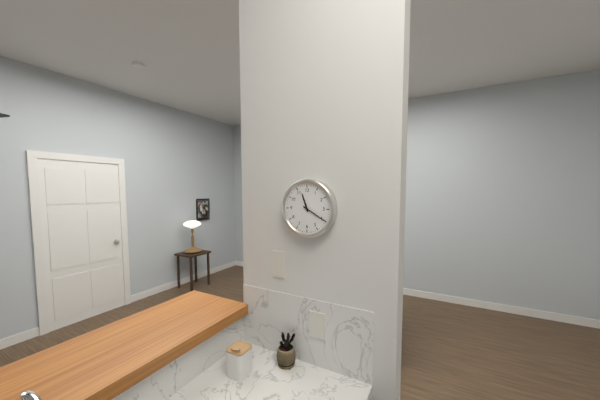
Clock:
11 h 20 min
